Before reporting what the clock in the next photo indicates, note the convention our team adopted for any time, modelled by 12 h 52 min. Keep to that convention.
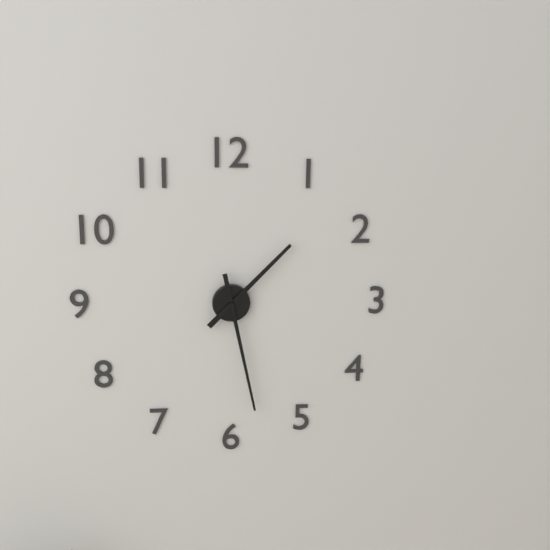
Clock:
1 h 28 min
